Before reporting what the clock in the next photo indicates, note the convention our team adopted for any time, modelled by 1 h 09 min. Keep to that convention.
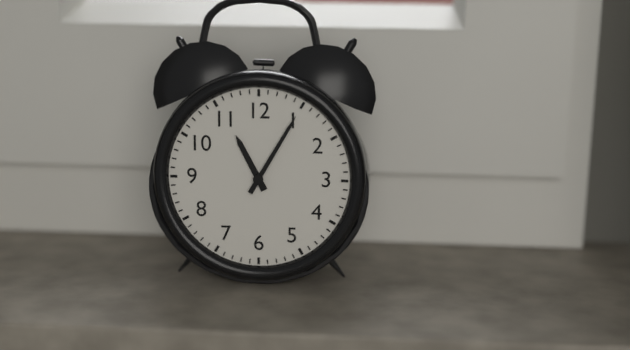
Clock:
11 h 05 min
